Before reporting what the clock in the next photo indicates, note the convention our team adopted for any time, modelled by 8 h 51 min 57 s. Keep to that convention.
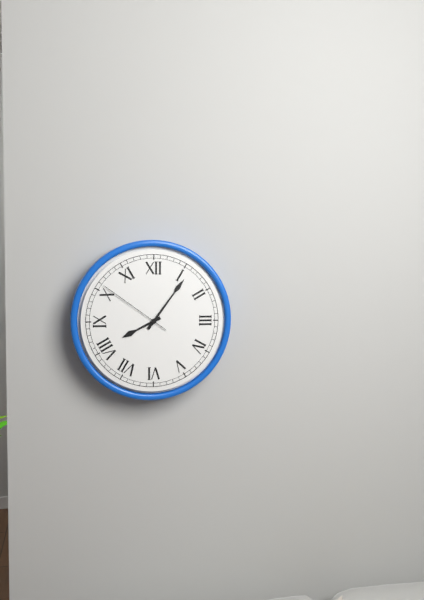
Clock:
8 h 06 min 51 s
